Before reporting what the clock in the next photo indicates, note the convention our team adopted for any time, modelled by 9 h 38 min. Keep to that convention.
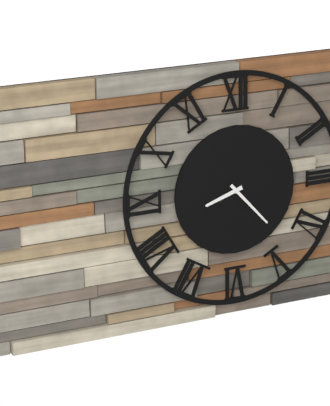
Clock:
8 h 23 min
